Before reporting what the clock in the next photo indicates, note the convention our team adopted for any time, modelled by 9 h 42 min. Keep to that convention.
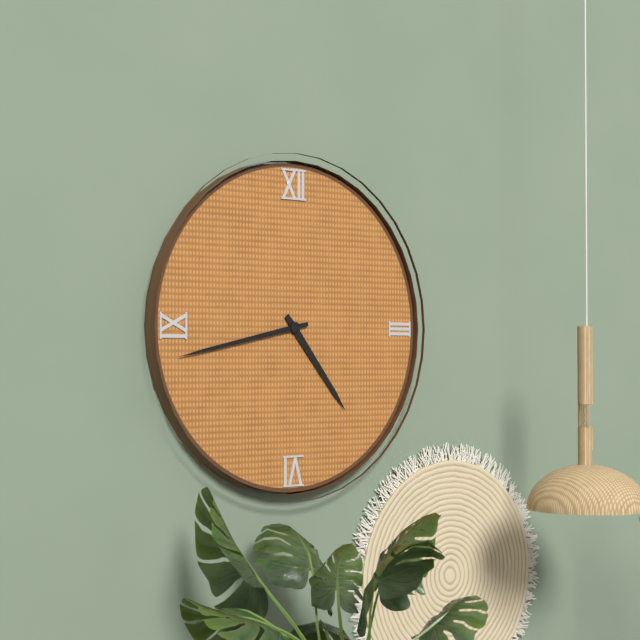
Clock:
4 h 43 min
